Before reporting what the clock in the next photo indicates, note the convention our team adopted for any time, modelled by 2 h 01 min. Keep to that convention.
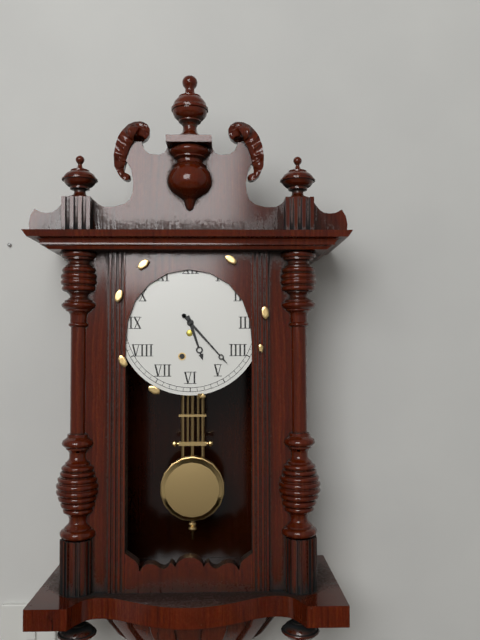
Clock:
5 h 23 min
